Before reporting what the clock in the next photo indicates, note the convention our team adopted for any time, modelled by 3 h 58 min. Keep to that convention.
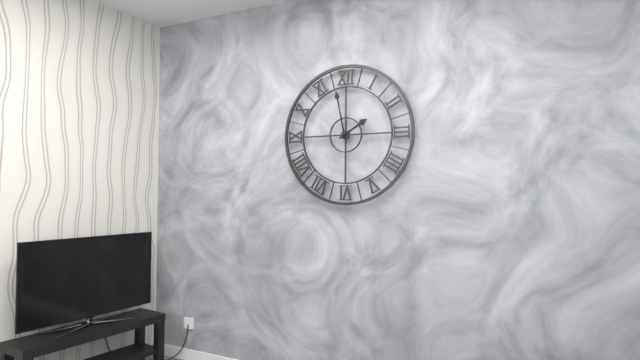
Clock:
1 h 58 min
